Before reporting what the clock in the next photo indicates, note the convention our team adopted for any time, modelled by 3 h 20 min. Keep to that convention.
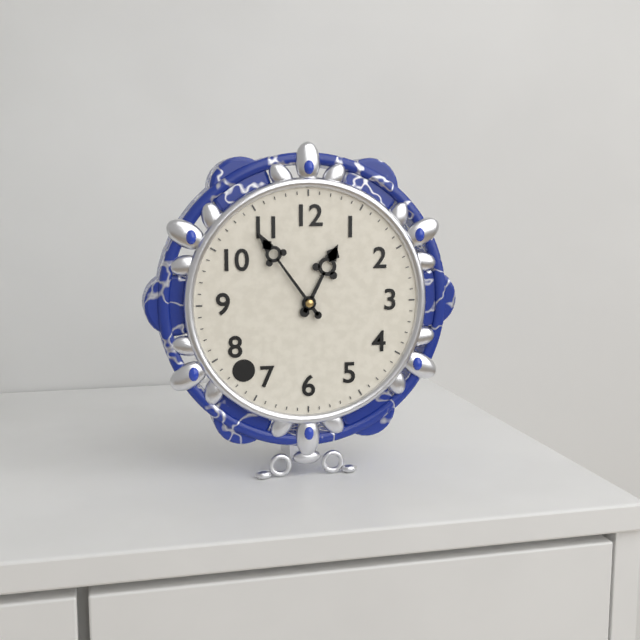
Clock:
12 h 54 min
